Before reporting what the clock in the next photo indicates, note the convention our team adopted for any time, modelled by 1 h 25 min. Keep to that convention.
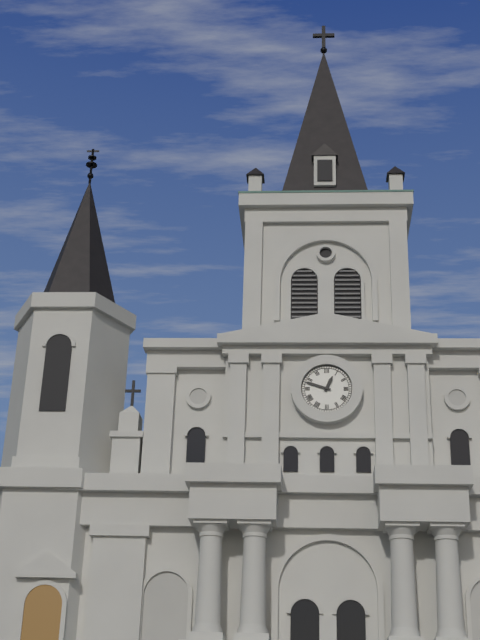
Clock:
12 h 48 min
